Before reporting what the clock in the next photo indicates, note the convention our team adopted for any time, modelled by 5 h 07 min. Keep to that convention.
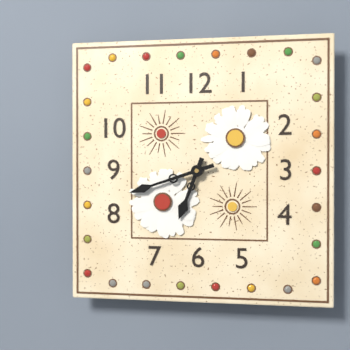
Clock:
6 h 42 min
